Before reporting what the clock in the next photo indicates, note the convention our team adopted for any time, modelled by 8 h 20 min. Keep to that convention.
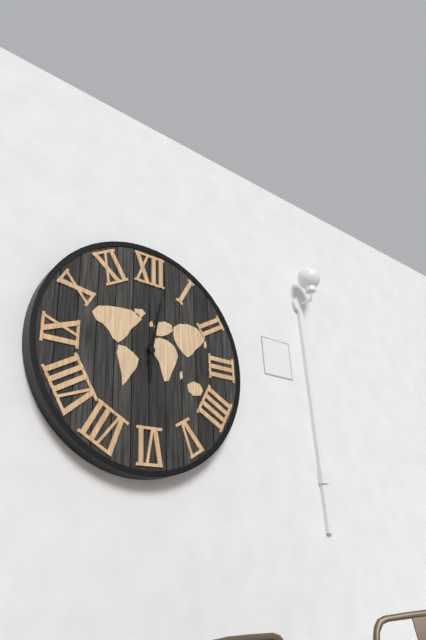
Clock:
6 h 02 min
